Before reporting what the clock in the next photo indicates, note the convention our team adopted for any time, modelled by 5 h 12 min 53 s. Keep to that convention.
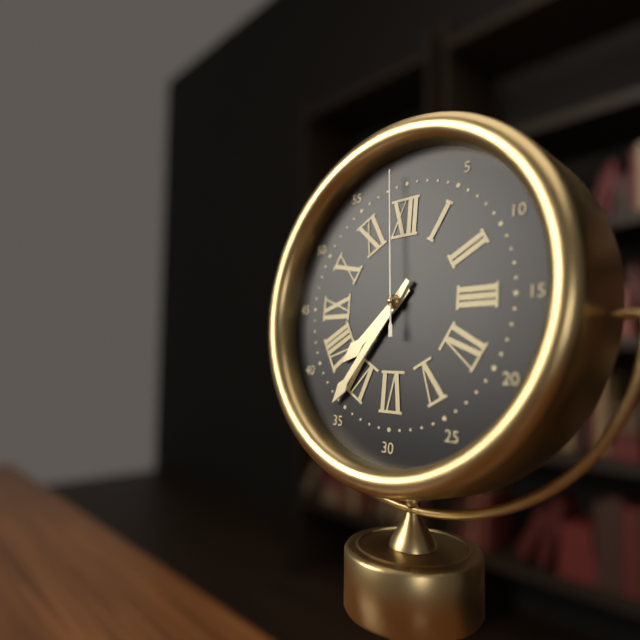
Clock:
7 h 36 min 59 s
